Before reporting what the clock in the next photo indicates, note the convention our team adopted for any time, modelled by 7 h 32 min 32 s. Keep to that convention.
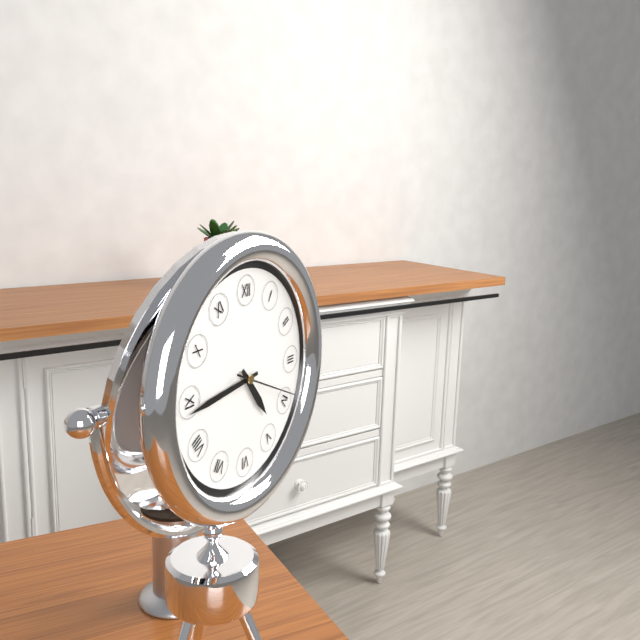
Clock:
4 h 44 min 19 s
